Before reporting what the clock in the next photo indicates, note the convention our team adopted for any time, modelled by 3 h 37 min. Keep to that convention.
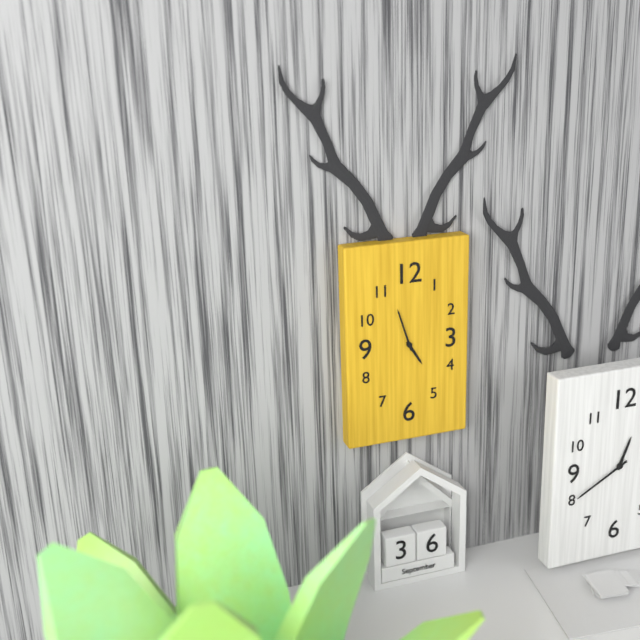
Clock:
4 h 57 min
